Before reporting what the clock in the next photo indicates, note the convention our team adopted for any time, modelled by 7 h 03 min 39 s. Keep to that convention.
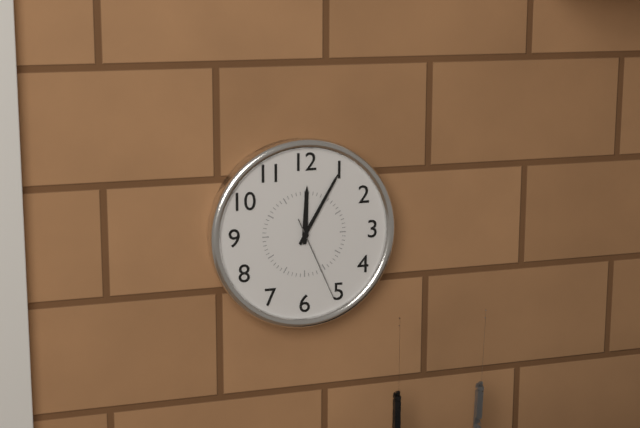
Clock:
12 h 05 min 26 s
